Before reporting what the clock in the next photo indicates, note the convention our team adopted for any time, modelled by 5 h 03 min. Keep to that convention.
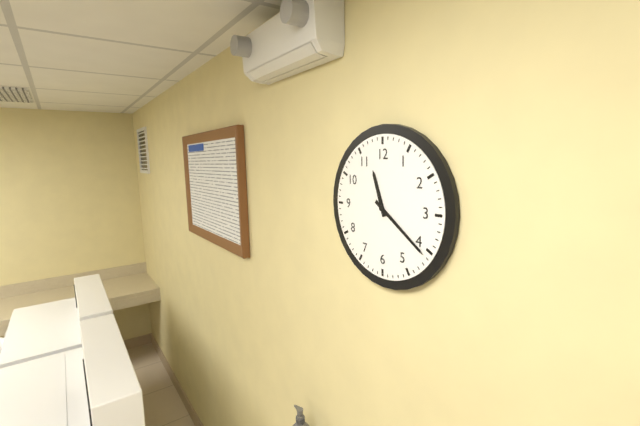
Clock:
11 h 21 min
